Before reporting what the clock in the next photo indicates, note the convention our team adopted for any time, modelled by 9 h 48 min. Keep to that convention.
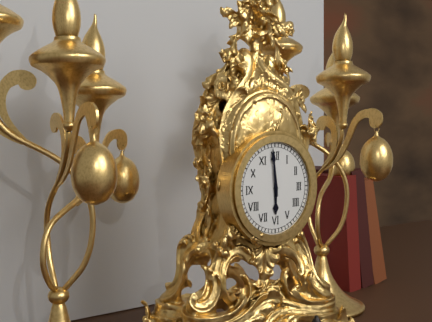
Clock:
5 h 59 min
